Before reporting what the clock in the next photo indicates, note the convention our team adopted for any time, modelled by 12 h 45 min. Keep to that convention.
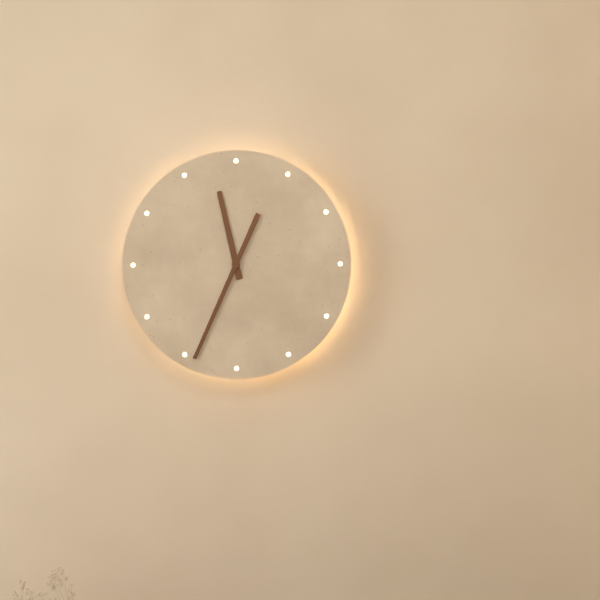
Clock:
11 h 34 min
